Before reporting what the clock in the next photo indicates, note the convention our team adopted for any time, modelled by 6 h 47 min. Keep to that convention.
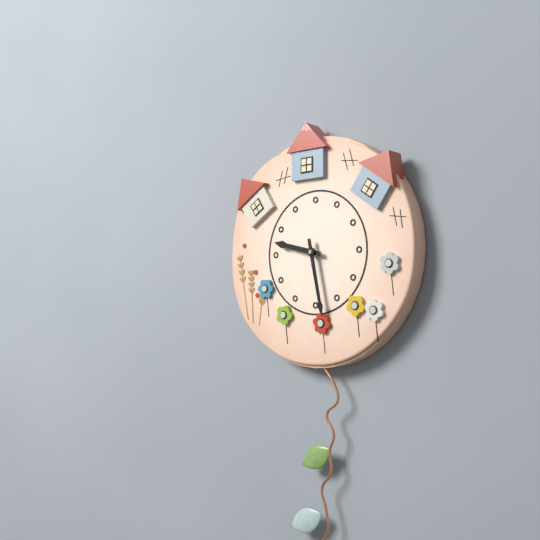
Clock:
9 h 28 min
